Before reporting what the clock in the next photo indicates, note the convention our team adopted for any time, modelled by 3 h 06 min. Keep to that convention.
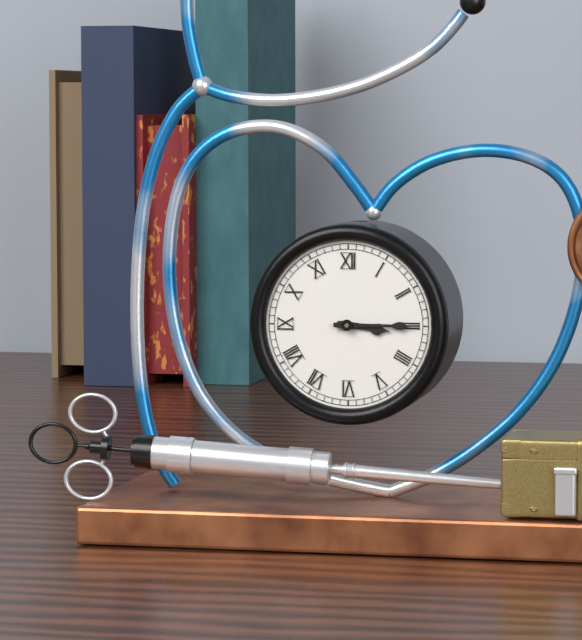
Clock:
3 h 15 min
